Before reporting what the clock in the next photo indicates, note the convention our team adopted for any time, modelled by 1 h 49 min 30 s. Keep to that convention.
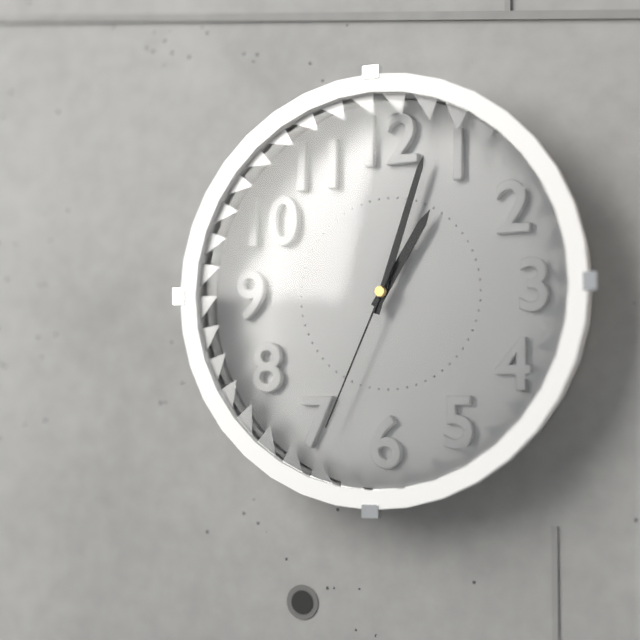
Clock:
1 h 03 min 34 s
